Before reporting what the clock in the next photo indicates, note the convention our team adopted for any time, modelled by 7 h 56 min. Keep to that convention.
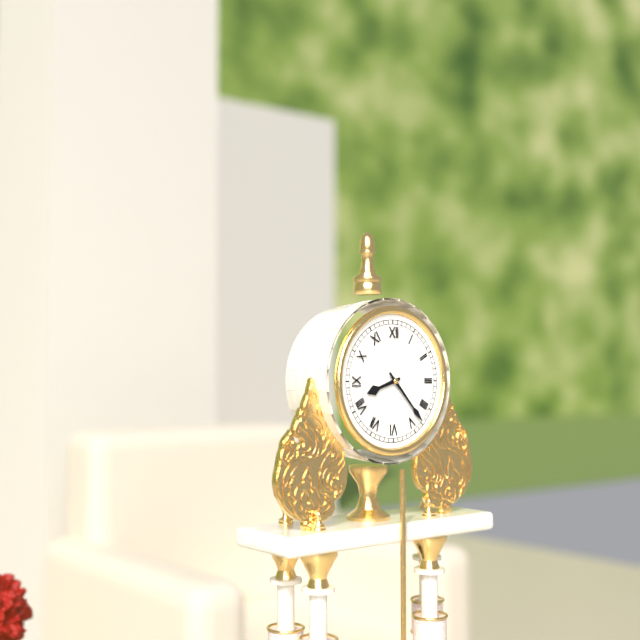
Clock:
8 h 23 min
